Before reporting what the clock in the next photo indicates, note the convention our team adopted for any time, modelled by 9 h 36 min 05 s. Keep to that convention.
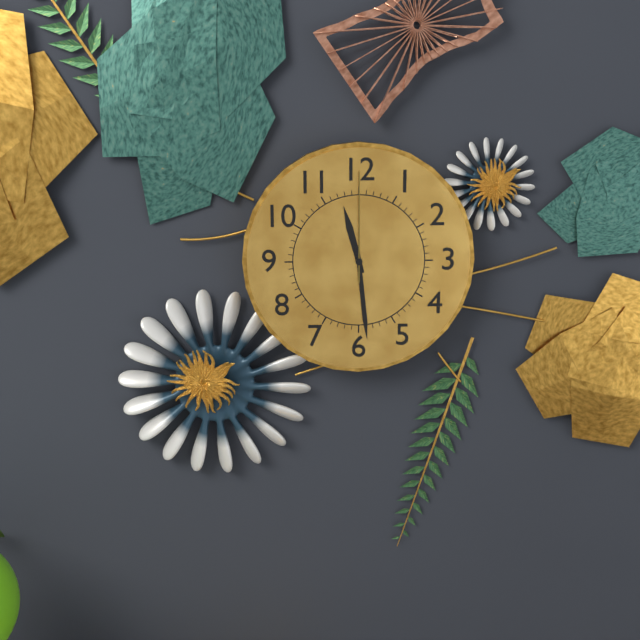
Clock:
11 h 29 min 00 s
